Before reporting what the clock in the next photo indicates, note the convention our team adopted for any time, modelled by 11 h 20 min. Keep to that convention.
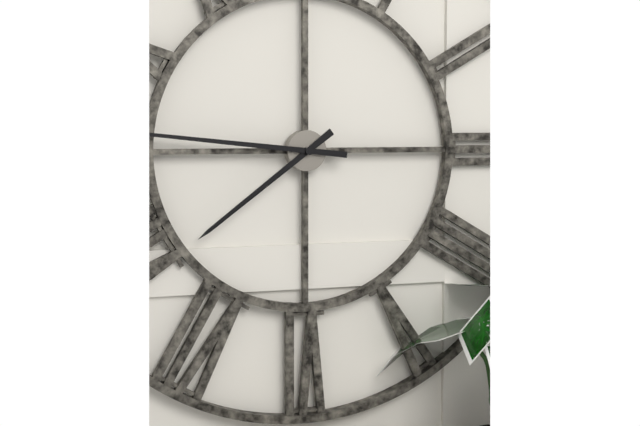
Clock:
7 h 46 min
